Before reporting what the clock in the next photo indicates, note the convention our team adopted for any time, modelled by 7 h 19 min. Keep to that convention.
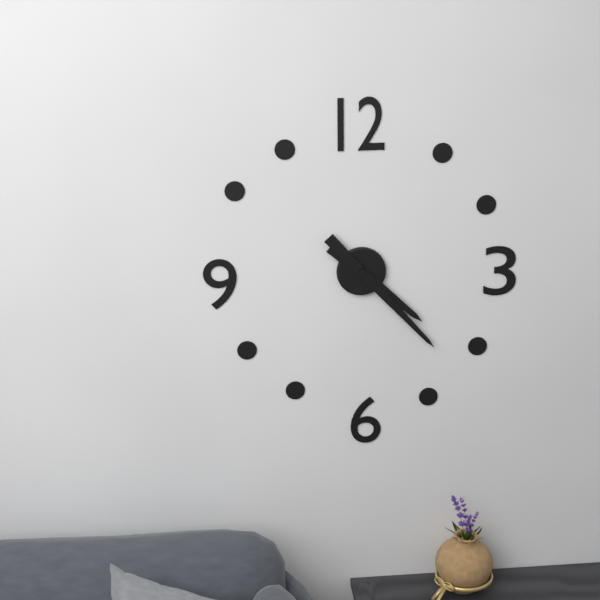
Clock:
4 h 23 min
